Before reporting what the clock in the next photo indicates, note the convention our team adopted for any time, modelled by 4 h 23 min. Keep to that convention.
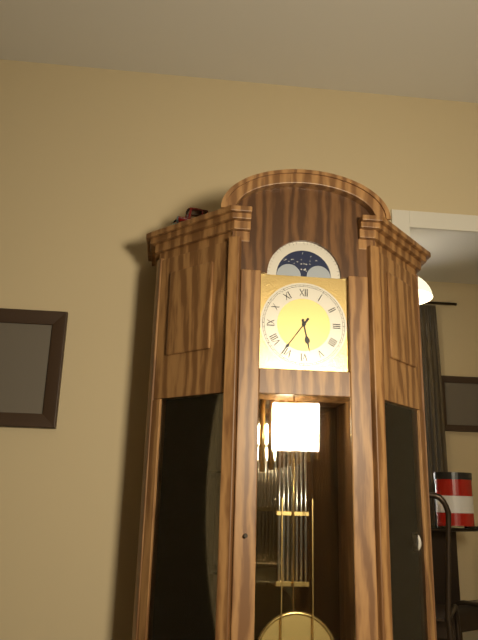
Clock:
5 h 36 min
